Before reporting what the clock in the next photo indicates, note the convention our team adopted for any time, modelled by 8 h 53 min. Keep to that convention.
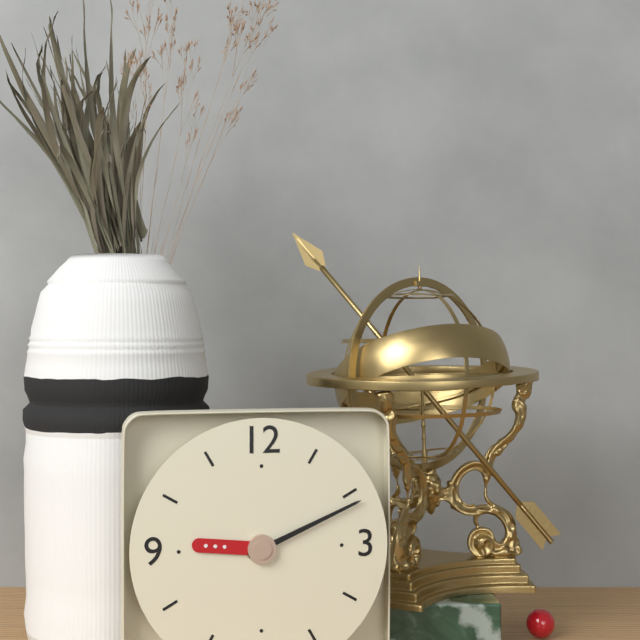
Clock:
9 h 11 min
